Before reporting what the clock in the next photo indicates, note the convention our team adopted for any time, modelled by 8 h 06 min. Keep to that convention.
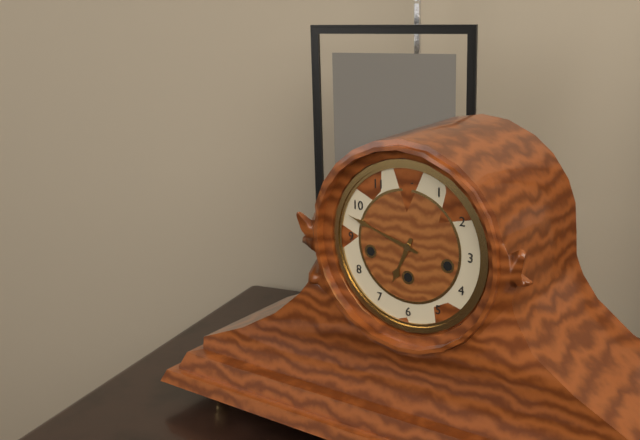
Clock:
6 h 48 min
